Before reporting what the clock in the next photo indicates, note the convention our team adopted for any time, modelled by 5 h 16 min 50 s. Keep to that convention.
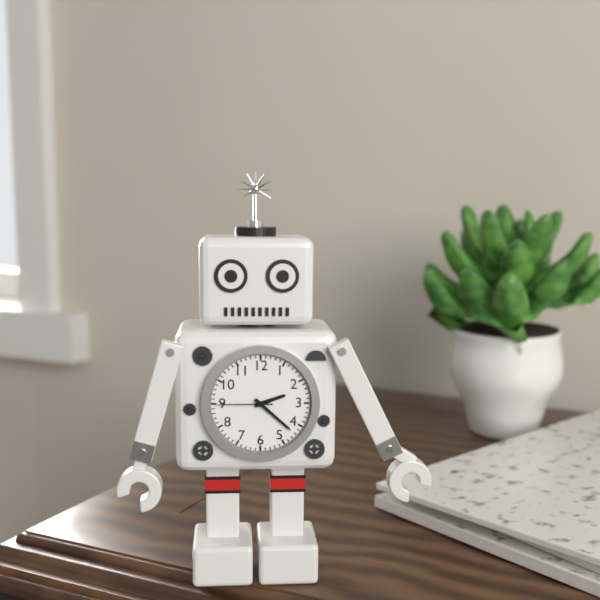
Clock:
2 h 22 min 45 s
